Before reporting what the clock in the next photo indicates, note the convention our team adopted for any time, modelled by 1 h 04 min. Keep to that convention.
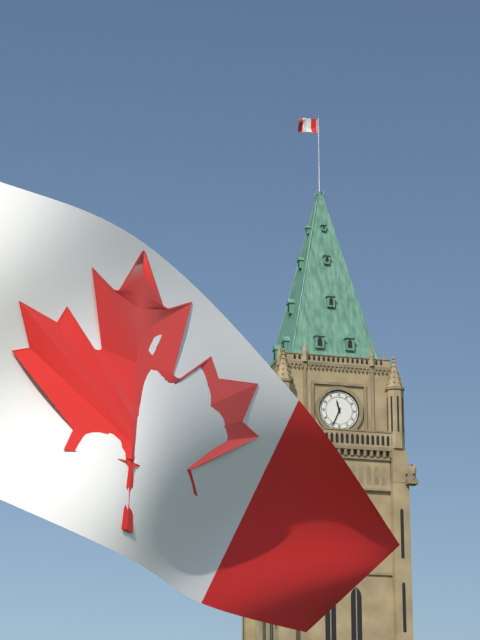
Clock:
11 h 34 min
